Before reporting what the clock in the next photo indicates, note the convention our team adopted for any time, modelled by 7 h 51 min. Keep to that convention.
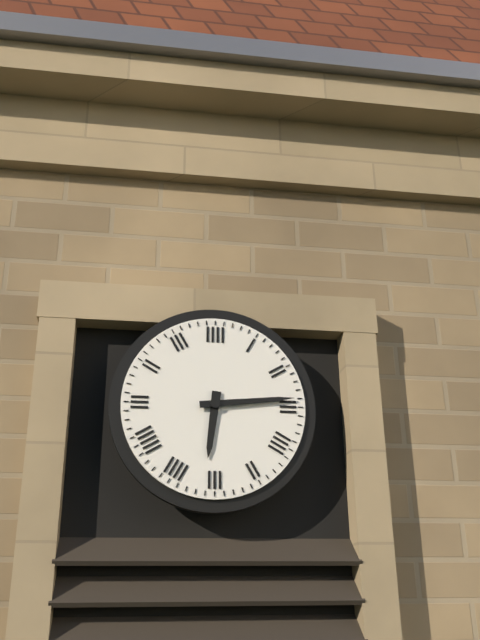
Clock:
6 h 14 min
